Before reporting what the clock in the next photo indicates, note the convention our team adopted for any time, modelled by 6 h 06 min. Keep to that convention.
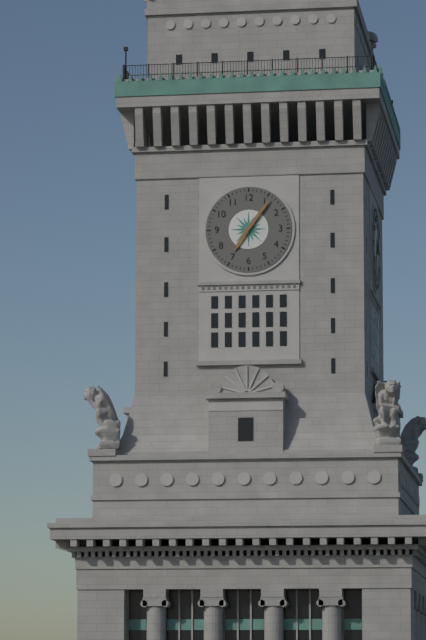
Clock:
7 h 06 min
